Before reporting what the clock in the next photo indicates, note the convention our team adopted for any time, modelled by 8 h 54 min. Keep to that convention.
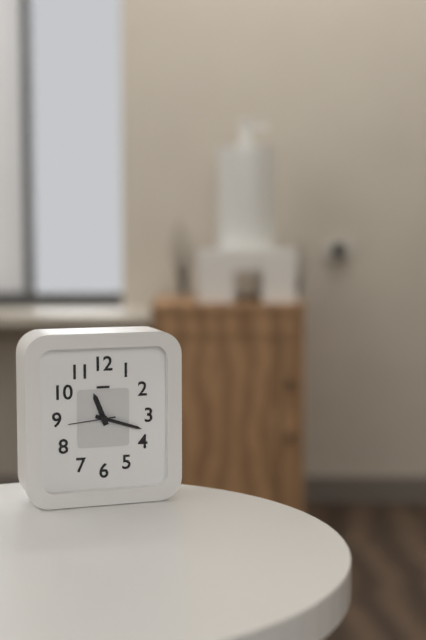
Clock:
11 h 18 min
